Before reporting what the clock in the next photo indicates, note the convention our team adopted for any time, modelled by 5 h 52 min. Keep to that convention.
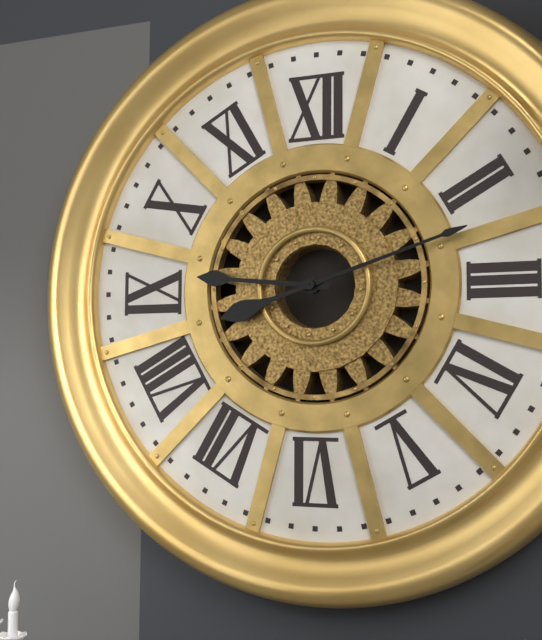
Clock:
9 h 12 min
